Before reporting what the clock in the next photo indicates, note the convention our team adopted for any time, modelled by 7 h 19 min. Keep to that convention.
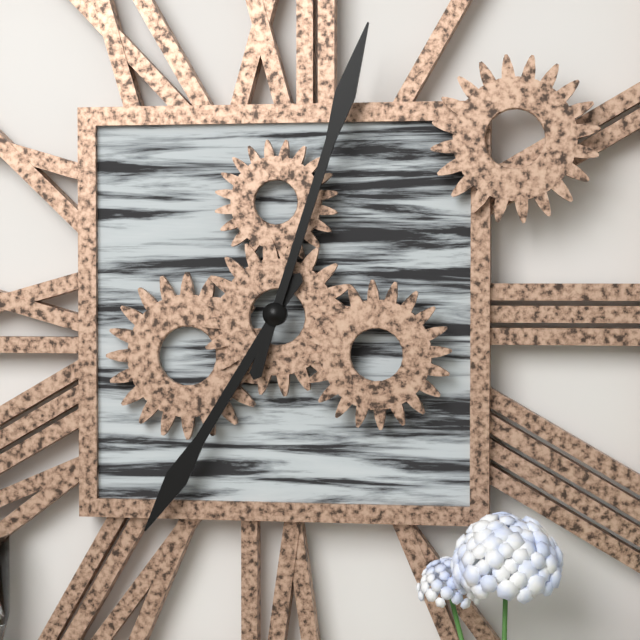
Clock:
7 h 03 min
